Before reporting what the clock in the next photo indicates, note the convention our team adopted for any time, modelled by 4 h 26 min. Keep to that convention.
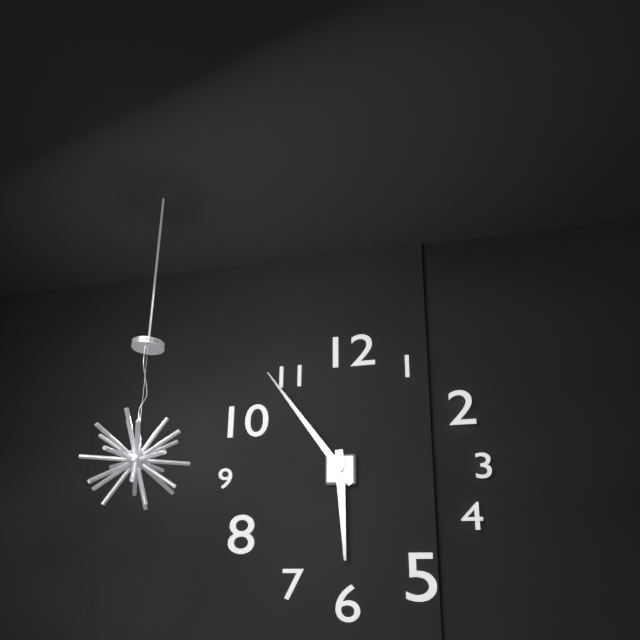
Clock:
5 h 54 min
